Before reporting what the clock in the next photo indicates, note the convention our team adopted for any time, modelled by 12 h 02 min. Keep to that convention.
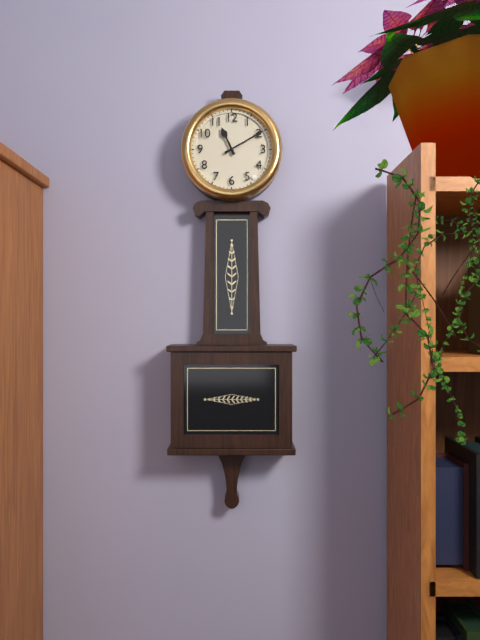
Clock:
11 h 10 min
